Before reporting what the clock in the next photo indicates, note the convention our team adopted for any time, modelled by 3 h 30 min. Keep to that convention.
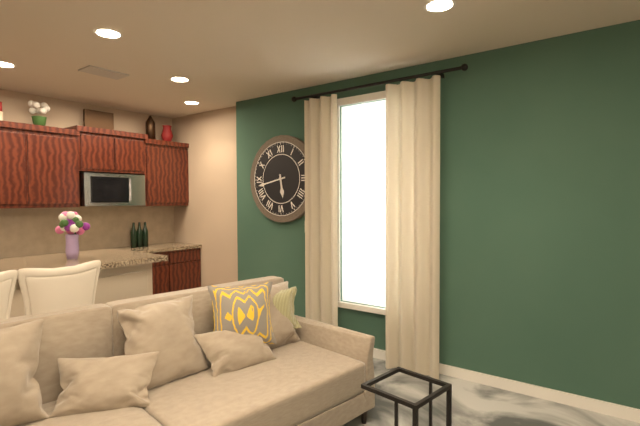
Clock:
5 h 43 min
